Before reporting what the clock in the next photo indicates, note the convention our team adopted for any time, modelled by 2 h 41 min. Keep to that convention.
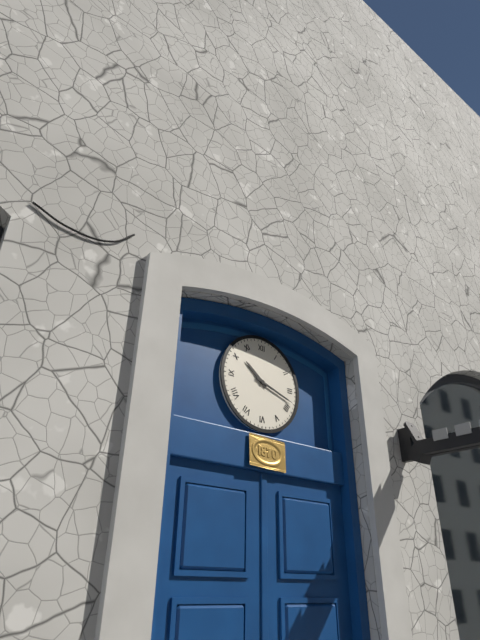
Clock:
10 h 18 min
